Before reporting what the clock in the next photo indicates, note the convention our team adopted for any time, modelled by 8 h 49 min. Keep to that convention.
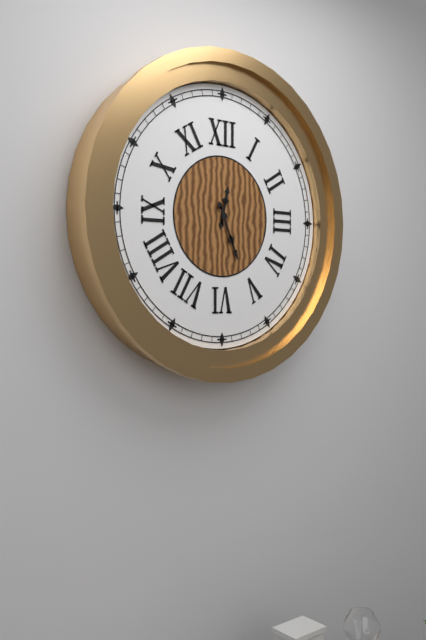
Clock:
12 h 26 min
